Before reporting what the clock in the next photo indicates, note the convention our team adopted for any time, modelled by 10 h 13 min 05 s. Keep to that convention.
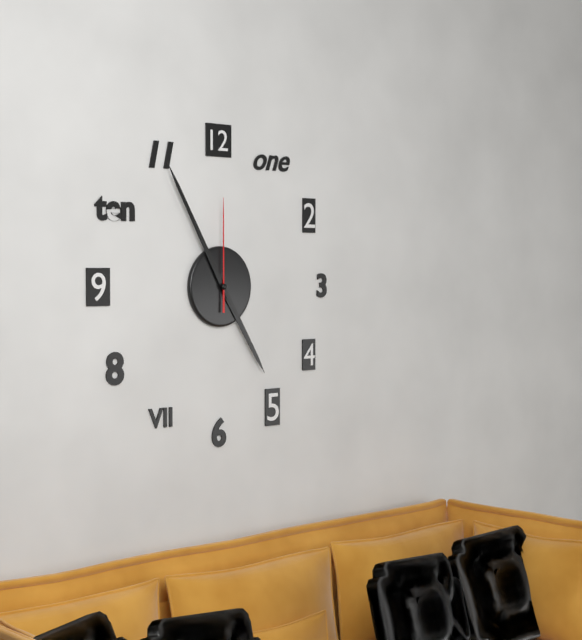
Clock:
4 h 55 min 00 s
